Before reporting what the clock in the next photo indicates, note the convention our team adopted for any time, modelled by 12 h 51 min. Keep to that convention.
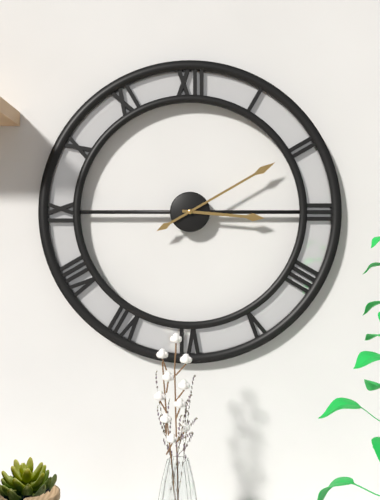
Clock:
3 h 10 min
